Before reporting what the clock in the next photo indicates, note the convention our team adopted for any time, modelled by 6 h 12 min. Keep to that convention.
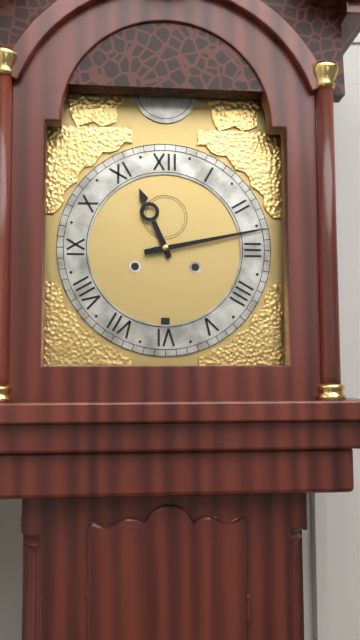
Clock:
11 h 13 min
